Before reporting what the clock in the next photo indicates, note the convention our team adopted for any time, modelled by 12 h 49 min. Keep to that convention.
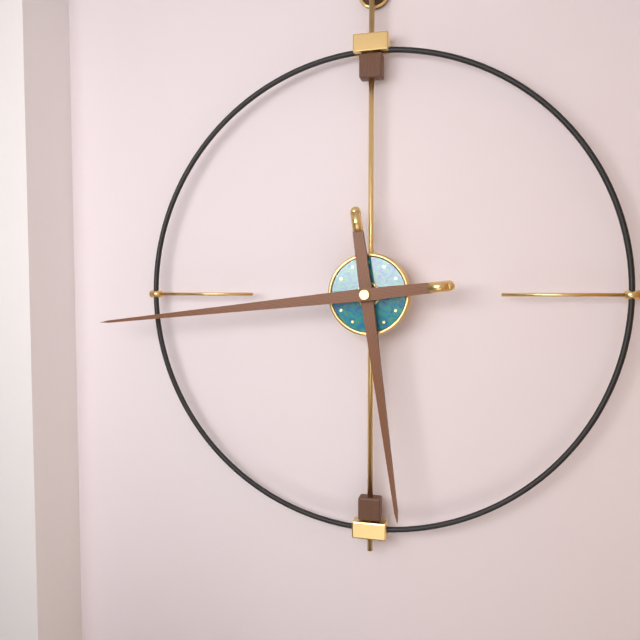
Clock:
5 h 44 min
